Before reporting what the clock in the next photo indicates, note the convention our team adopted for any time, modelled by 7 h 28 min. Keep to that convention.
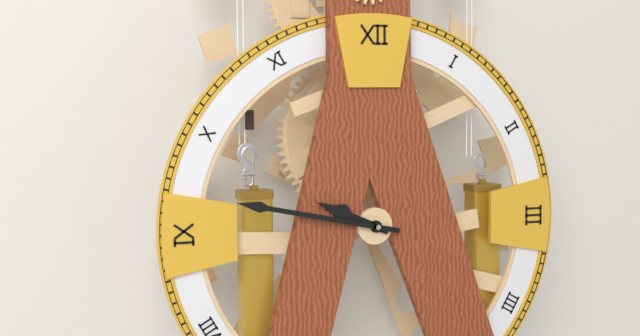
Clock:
9 h 47 min
